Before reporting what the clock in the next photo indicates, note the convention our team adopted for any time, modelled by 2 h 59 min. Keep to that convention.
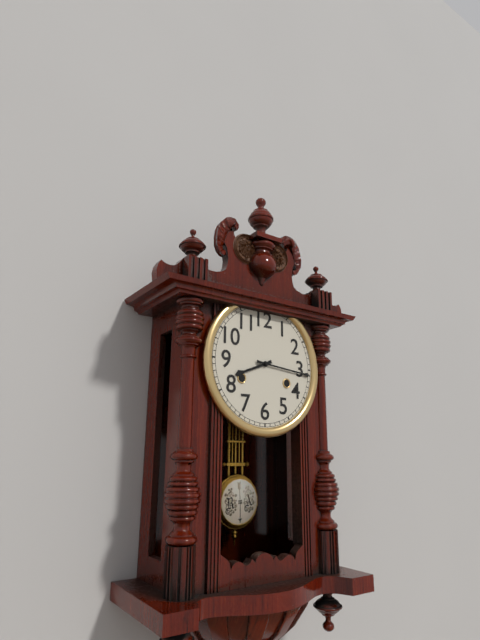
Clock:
8 h 16 min
